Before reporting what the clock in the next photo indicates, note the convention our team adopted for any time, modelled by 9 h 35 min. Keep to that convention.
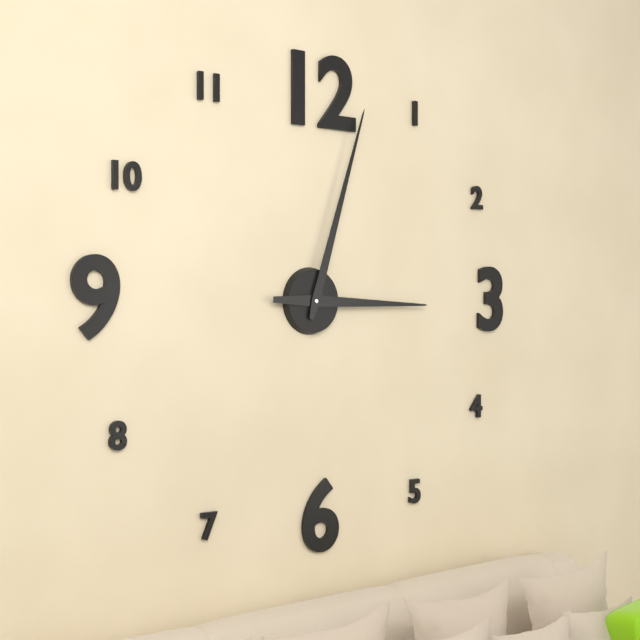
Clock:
3 h 03 min
